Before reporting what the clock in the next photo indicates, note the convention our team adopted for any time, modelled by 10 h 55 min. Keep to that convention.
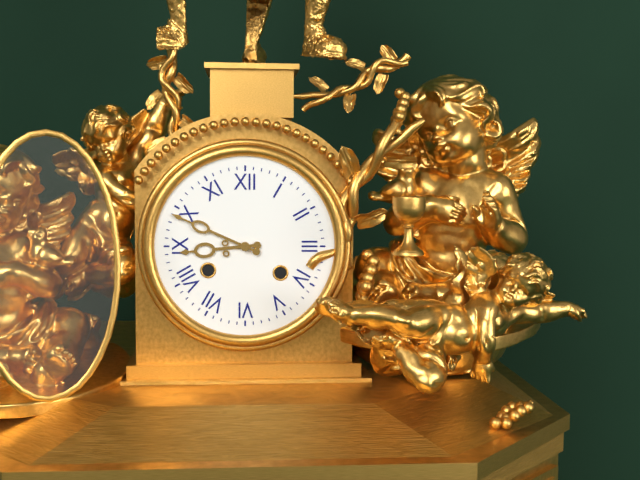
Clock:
8 h 49 min
